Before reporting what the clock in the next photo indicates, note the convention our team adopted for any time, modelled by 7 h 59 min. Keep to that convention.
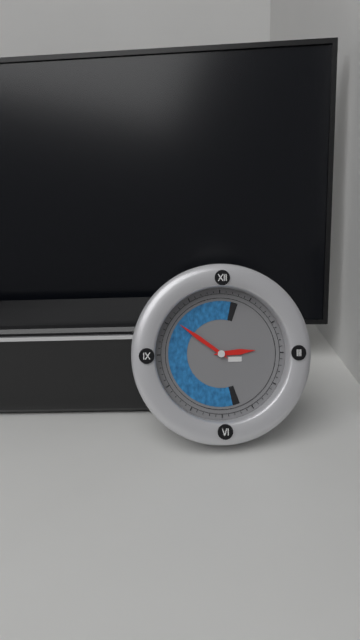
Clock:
2 h 51 min
